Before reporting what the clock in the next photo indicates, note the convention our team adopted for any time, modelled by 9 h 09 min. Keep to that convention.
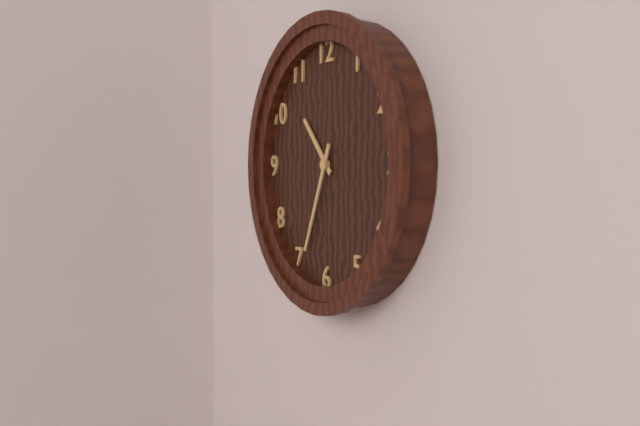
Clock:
10 h 34 min
